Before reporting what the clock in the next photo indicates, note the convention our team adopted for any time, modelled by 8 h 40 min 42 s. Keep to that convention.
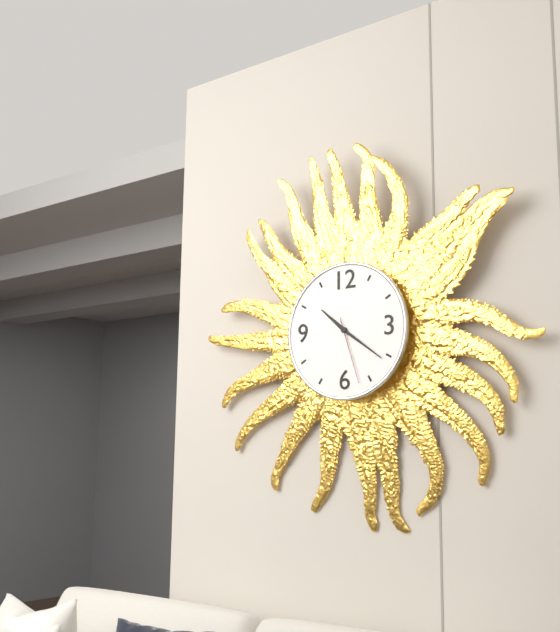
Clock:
10 h 21 min 27 s
